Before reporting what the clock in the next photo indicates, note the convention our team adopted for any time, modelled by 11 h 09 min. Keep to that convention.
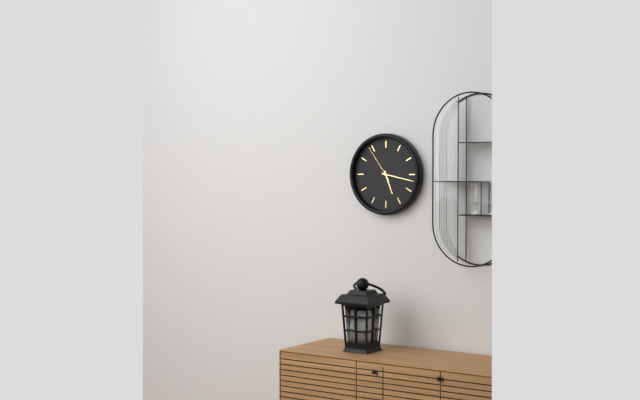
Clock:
5 h 17 min
